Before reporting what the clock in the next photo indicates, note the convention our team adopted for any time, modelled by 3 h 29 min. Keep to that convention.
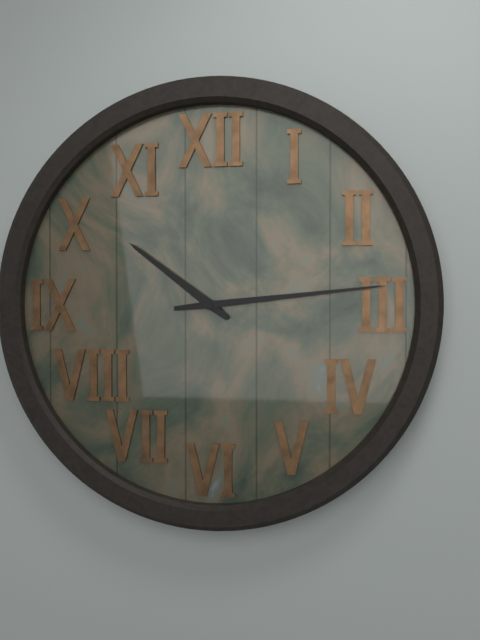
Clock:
10 h 14 min
